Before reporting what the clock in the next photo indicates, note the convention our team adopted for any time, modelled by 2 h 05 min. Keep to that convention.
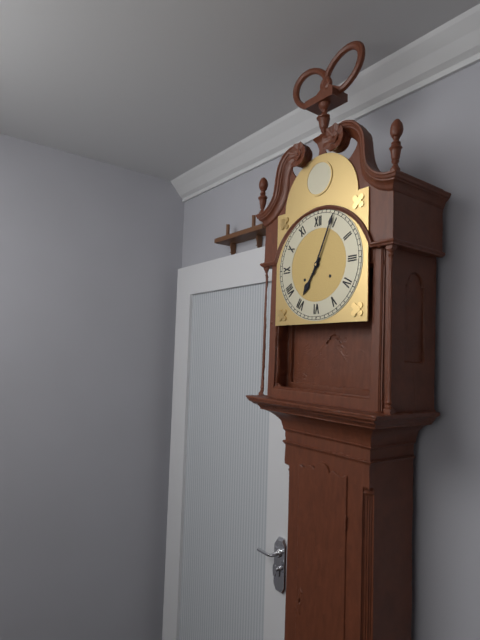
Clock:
7 h 04 min
